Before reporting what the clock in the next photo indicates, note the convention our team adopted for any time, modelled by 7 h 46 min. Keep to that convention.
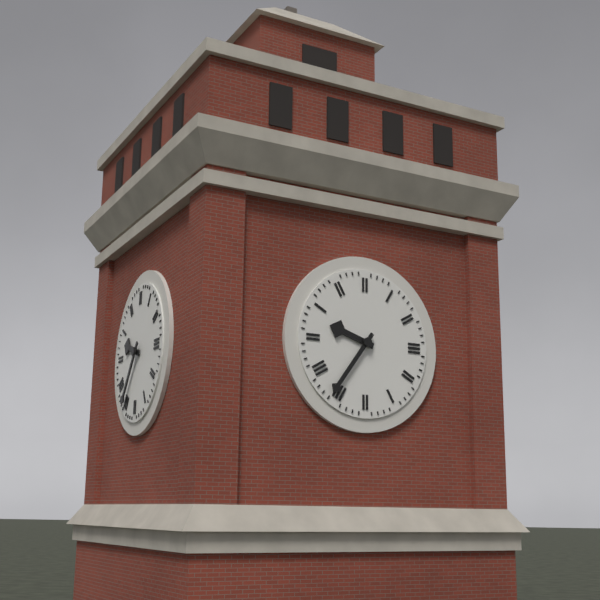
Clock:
9 h 36 min
